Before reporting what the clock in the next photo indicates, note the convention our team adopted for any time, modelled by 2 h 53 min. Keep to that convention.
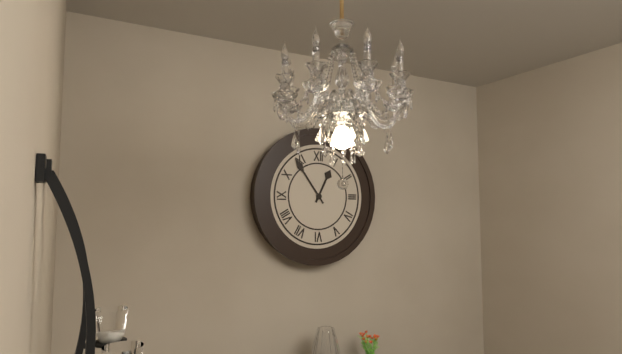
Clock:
12 h 54 min
